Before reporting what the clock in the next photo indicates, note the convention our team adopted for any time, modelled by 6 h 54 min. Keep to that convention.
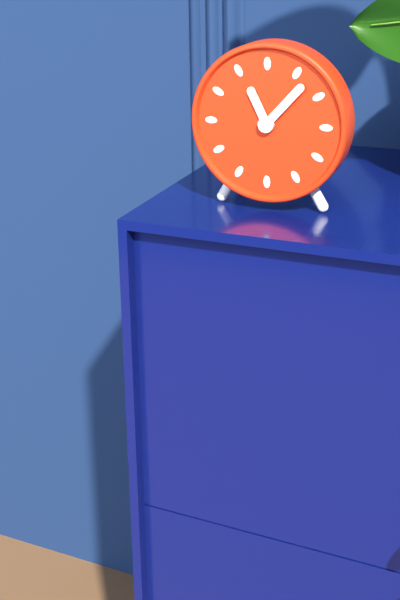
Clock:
11 h 07 min
